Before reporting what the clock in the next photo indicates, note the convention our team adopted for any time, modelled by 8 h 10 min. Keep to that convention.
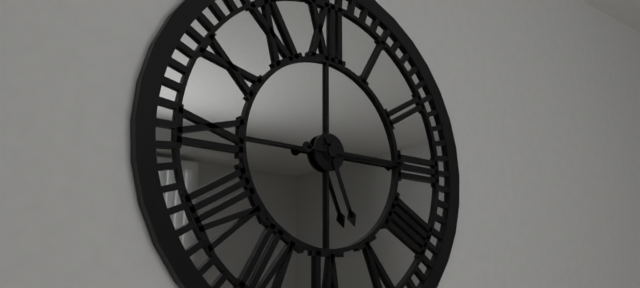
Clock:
5 h 15 min
